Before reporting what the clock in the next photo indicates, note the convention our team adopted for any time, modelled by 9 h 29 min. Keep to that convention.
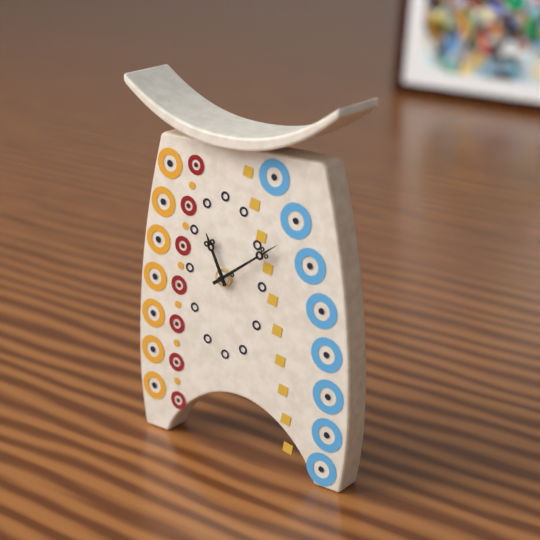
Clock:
11 h 09 min
